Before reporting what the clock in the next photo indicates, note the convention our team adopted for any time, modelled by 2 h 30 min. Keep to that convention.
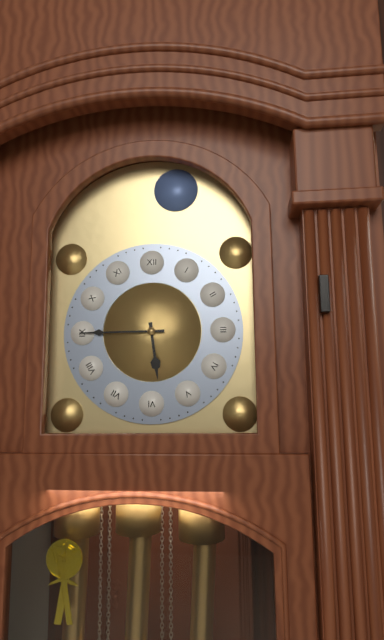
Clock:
5 h 45 min
